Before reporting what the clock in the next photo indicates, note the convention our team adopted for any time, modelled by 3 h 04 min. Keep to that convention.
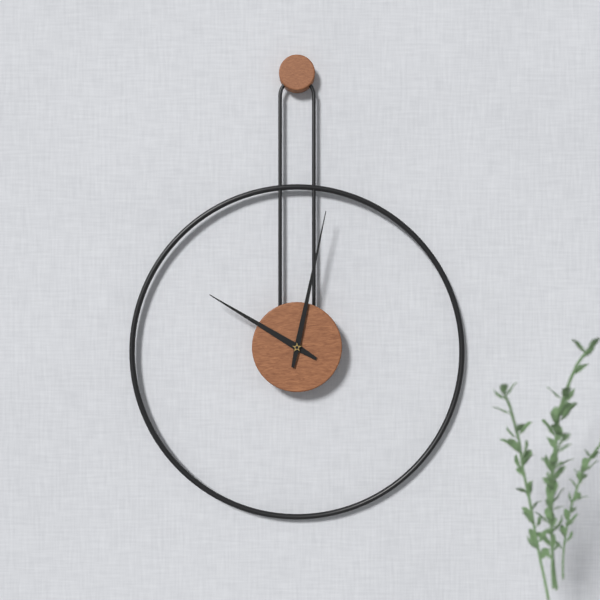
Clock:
10 h 02 min
